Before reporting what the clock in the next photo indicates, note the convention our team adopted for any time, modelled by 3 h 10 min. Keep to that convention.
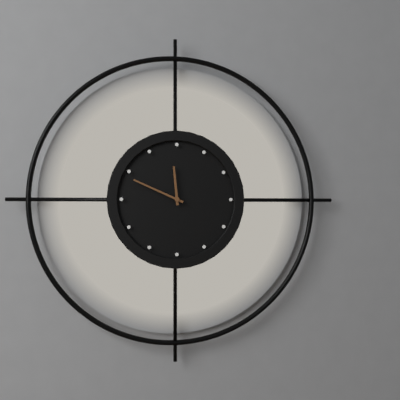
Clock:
11 h 49 min
